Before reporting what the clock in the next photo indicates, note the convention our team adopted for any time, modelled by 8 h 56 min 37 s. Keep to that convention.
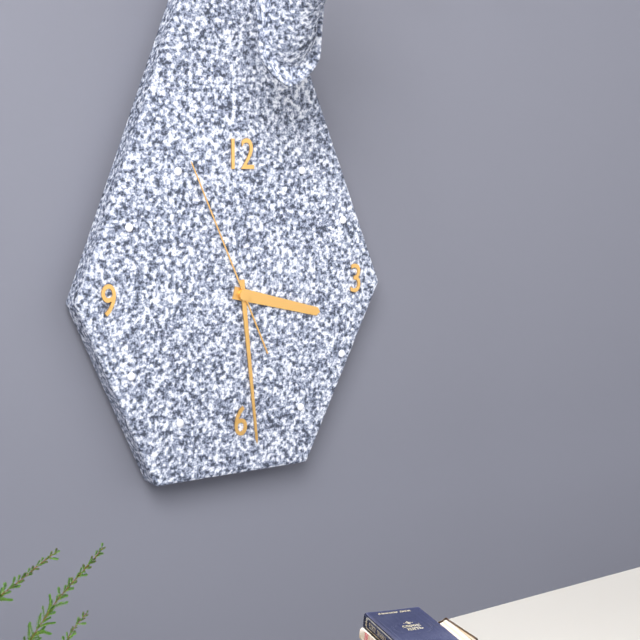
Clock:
3 h 29 min 56 s
